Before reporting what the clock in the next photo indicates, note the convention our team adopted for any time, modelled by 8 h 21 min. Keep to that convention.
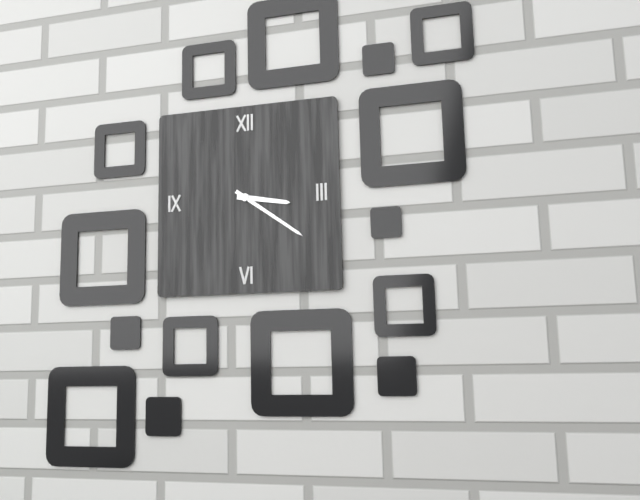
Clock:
3 h 21 min
